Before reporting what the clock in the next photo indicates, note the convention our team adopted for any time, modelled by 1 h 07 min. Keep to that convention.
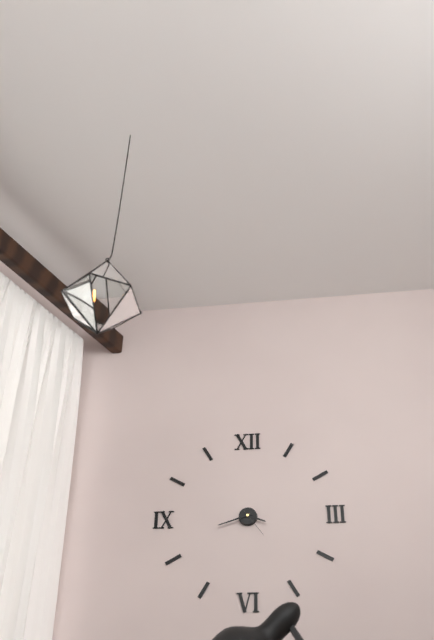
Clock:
3 h 42 min
